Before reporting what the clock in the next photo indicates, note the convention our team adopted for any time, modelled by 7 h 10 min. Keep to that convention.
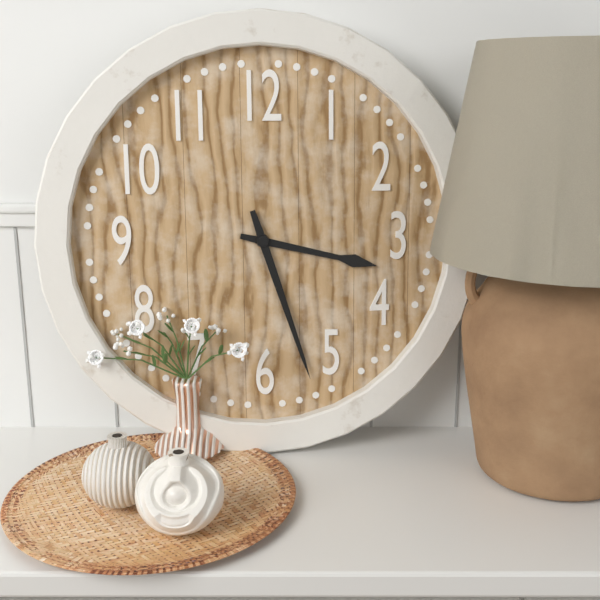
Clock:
3 h 27 min
